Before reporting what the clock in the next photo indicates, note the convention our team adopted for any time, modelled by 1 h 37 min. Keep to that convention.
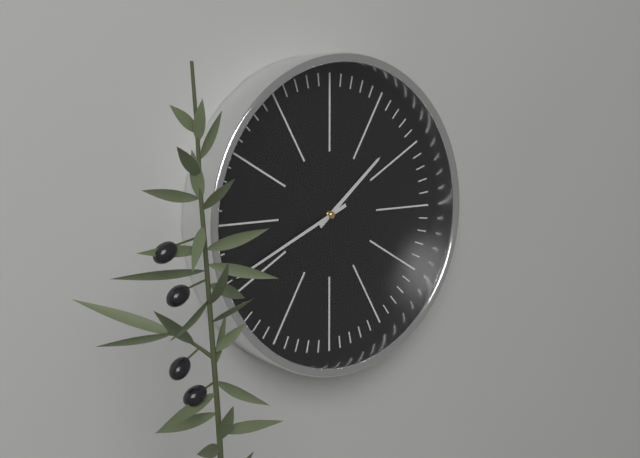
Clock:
1 h 41 min
